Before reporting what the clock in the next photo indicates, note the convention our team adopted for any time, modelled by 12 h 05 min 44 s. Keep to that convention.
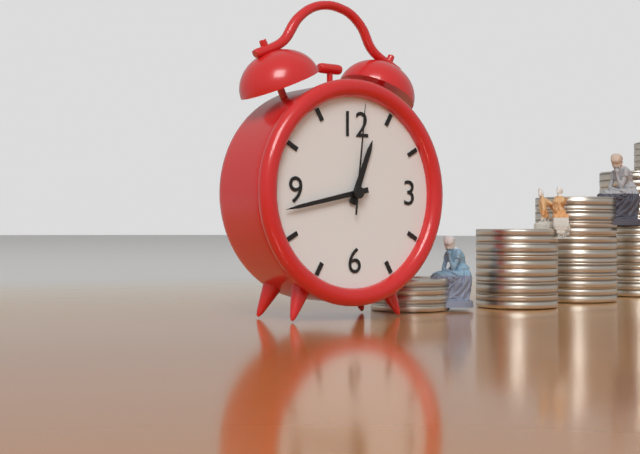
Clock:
12 h 43 min 01 s
